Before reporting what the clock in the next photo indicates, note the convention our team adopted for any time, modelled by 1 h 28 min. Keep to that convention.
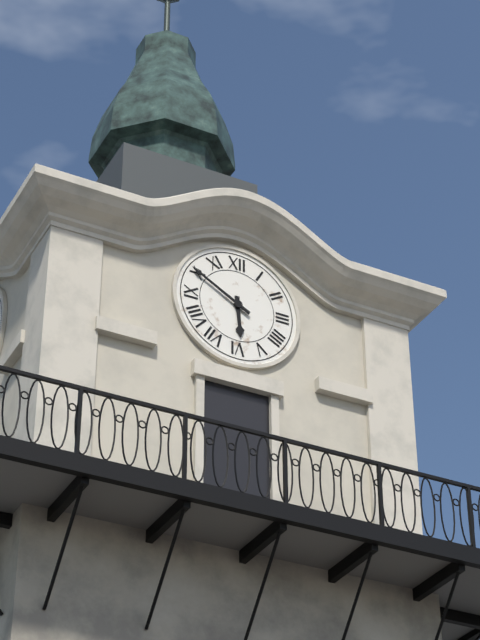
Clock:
5 h 50 min
